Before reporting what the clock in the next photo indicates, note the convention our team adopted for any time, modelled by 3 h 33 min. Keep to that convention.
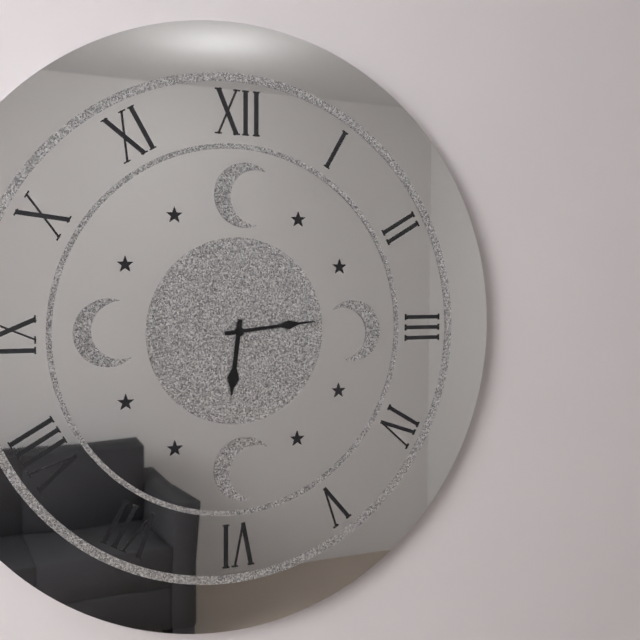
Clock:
6 h 14 min
